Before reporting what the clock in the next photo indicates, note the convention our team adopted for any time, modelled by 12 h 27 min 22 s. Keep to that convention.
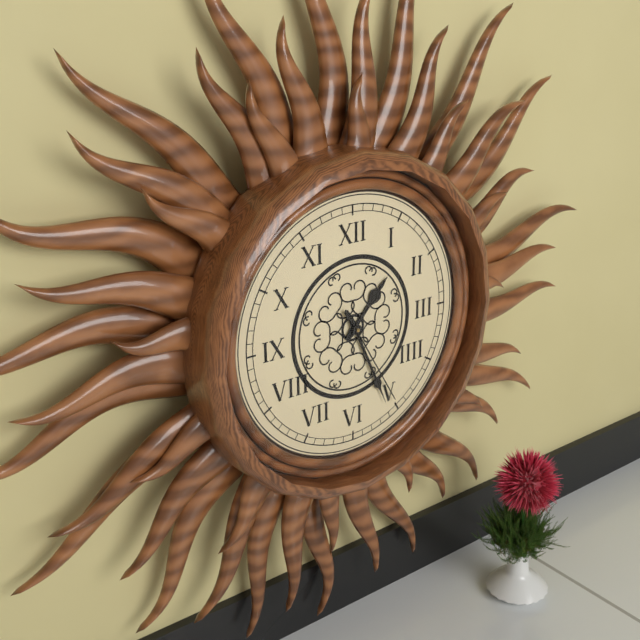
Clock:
1 h 26 min 25 s
